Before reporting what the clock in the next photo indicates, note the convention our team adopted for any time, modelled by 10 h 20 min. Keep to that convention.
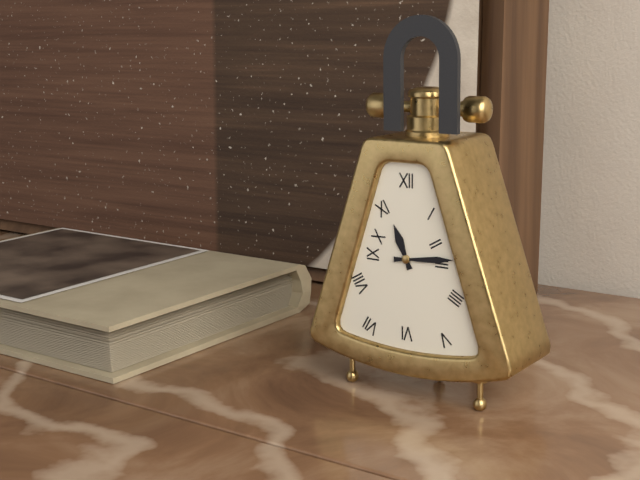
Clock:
11 h 14 min
